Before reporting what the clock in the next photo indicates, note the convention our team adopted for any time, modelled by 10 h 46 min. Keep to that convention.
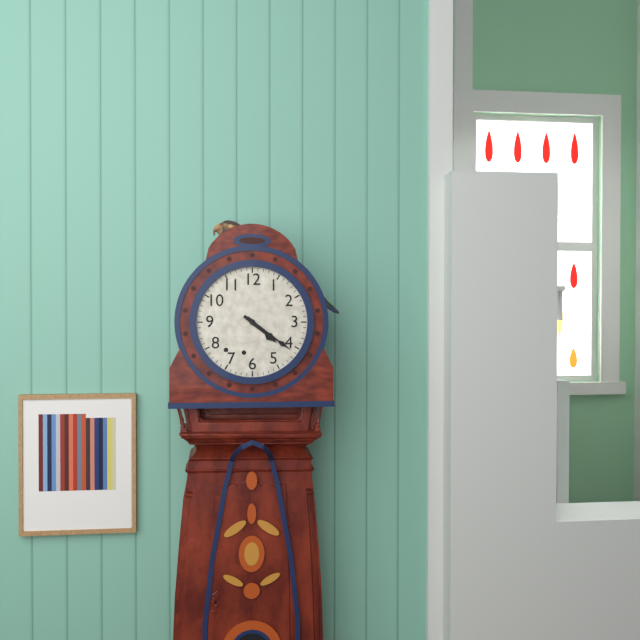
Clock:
4 h 21 min
